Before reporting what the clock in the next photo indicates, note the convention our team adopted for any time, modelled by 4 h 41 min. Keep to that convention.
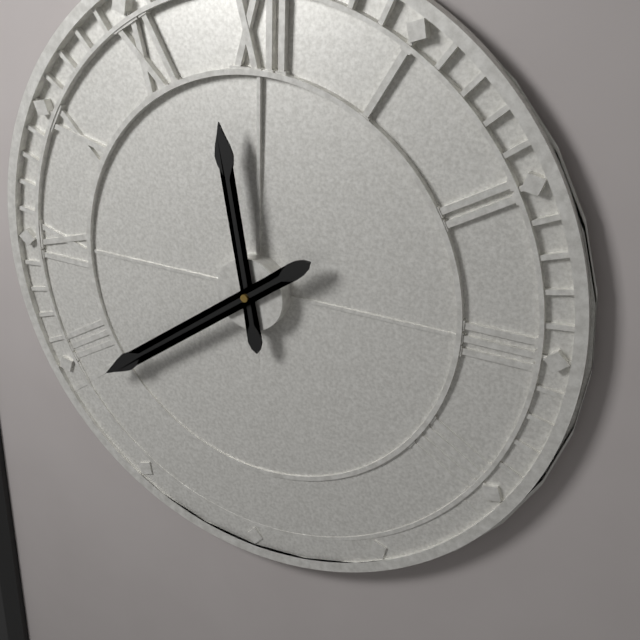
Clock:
11 h 39 min
